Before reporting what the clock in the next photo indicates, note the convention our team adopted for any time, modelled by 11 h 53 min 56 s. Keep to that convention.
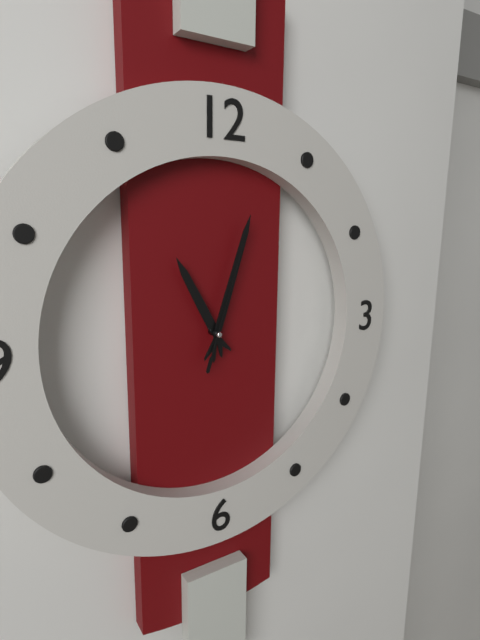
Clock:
11 h 03 min 03 s
